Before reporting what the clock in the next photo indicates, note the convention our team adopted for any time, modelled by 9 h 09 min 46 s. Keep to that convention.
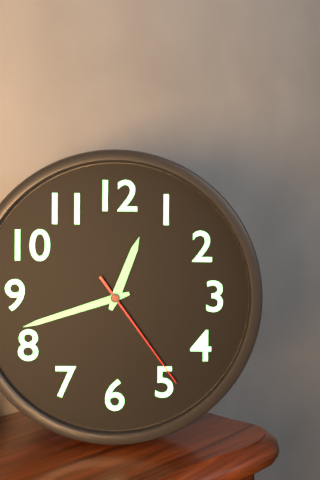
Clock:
12 h 42 min 24 s
